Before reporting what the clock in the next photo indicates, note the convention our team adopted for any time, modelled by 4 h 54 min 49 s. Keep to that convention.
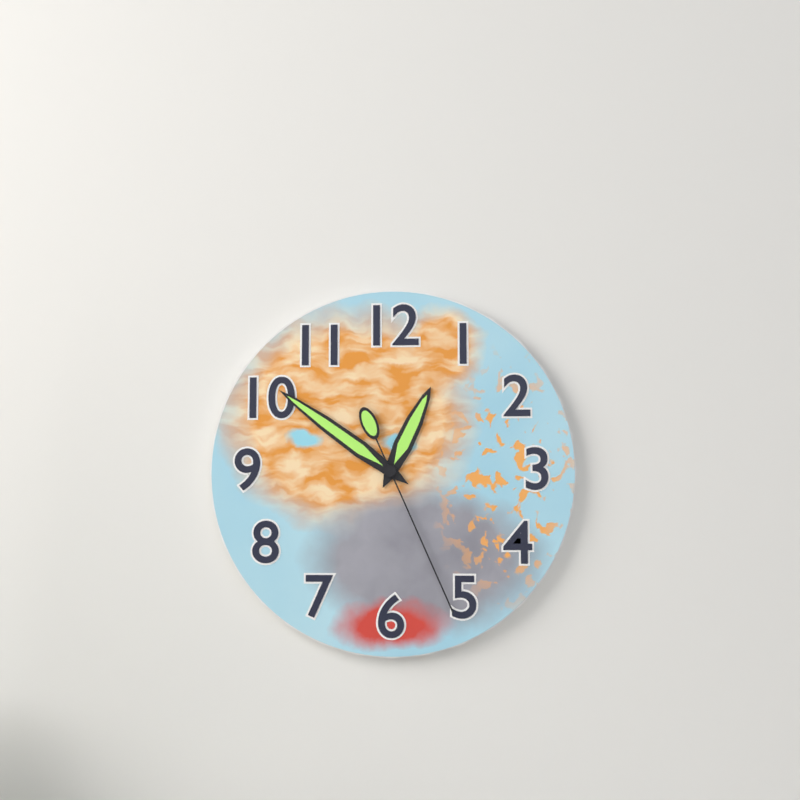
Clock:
12 h 51 min 26 s
